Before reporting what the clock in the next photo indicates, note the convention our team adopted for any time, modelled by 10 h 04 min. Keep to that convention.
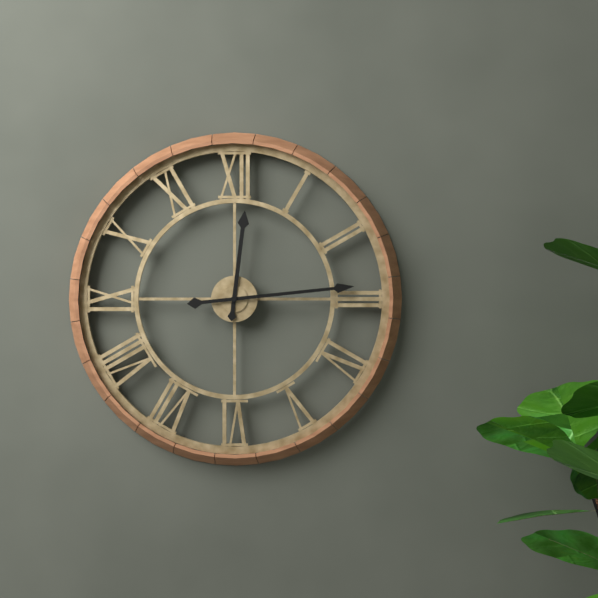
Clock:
12 h 14 min
